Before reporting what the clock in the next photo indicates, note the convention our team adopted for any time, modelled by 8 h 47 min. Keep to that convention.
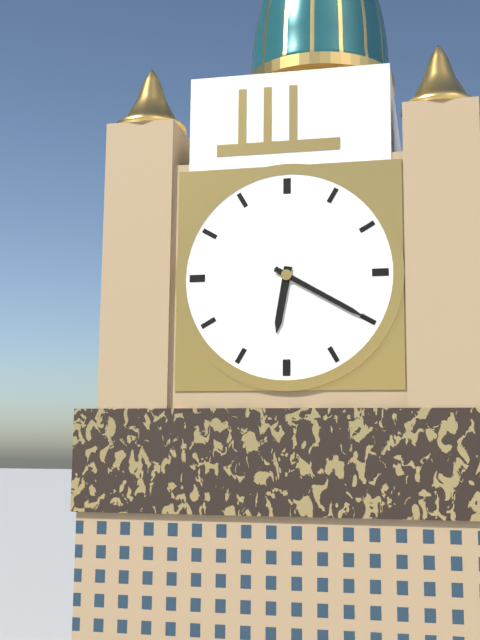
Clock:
6 h 20 min
